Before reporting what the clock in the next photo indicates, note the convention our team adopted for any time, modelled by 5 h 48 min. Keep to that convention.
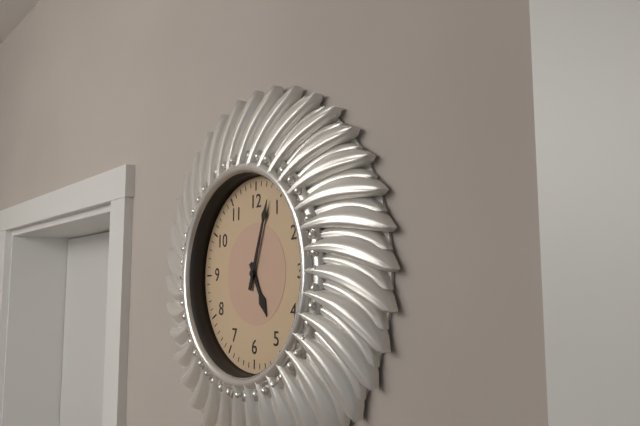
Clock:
5 h 03 min
